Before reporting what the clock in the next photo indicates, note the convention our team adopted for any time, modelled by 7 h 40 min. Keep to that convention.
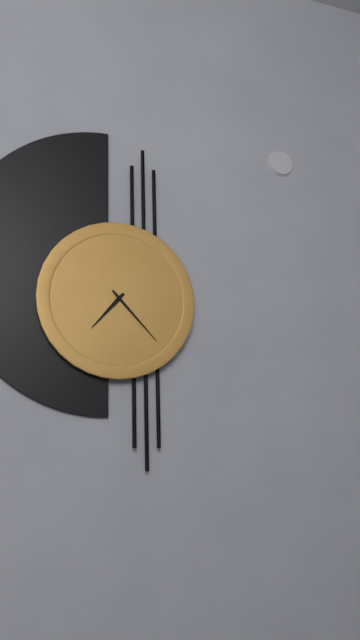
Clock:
7 h 23 min
